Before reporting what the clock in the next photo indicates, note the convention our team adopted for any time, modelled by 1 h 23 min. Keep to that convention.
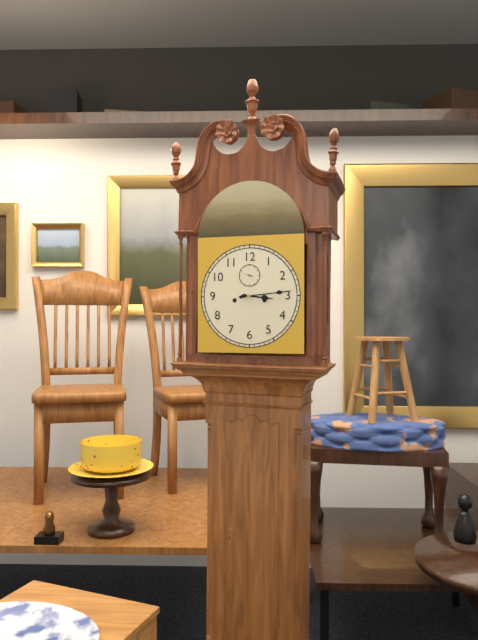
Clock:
3 h 14 min
